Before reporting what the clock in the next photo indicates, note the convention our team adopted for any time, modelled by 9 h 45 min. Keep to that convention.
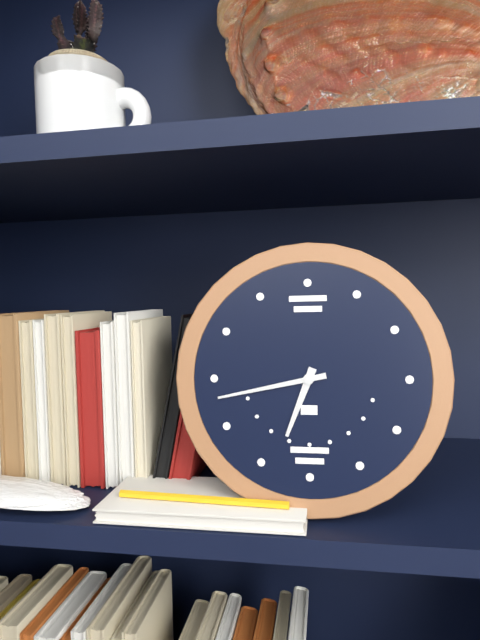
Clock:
6 h 43 min
